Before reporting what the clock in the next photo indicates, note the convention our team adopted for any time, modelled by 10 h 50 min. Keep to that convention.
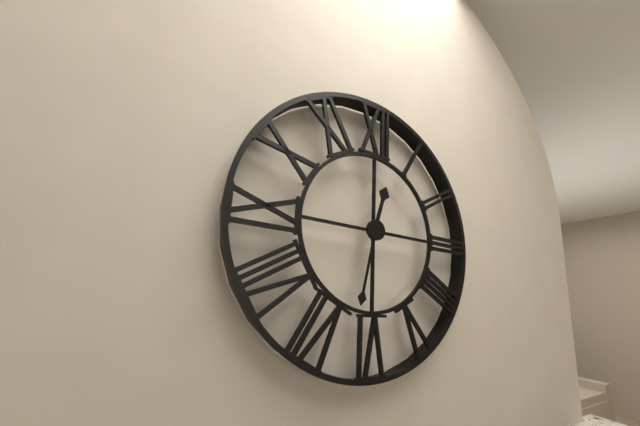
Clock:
12 h 32 min
